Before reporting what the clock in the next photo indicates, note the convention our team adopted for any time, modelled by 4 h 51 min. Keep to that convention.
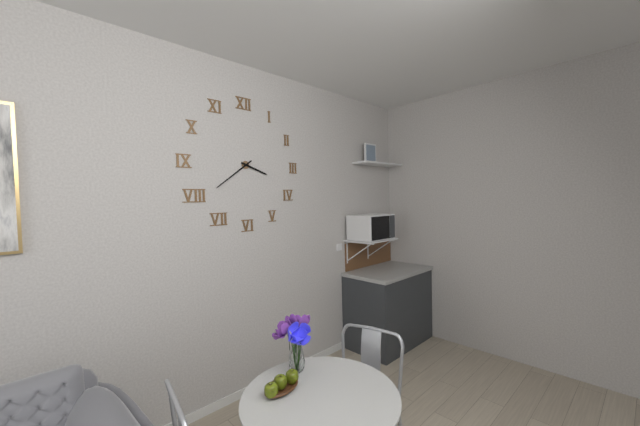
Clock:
3 h 39 min
